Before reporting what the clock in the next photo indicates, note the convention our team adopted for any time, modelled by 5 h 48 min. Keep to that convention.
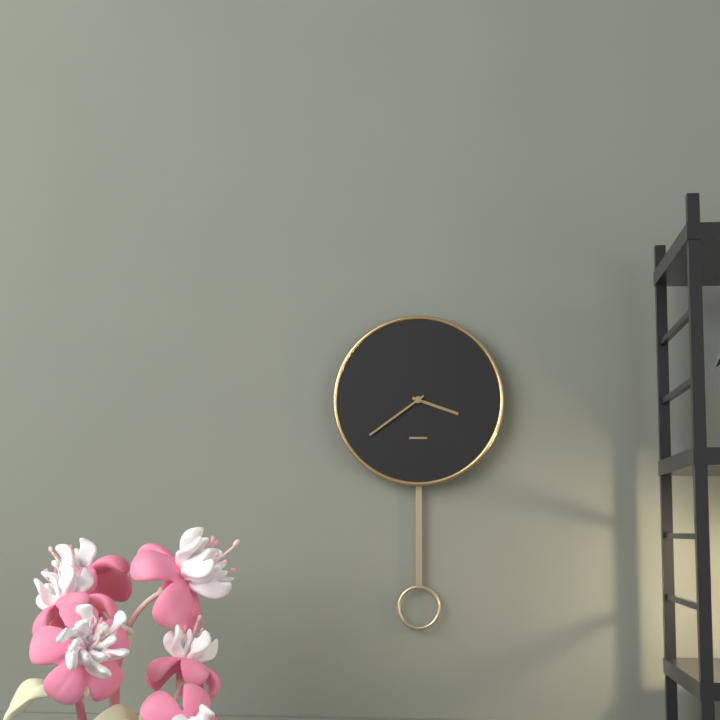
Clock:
3 h 39 min
